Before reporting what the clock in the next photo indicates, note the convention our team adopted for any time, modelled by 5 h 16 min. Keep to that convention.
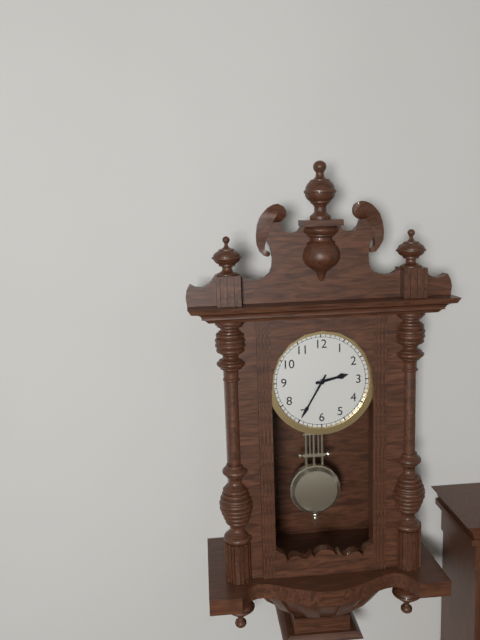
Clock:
2 h 35 min
